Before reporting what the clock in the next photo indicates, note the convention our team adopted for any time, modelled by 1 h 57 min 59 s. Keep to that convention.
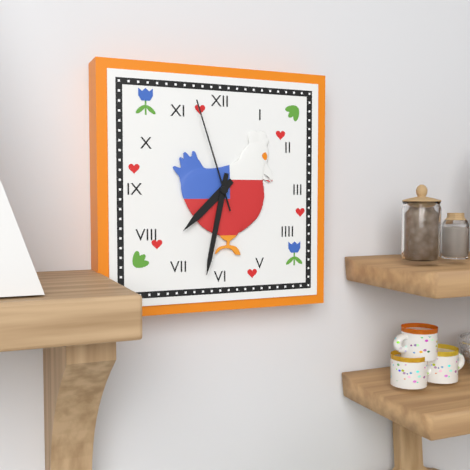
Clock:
7 h 32 min 57 s
